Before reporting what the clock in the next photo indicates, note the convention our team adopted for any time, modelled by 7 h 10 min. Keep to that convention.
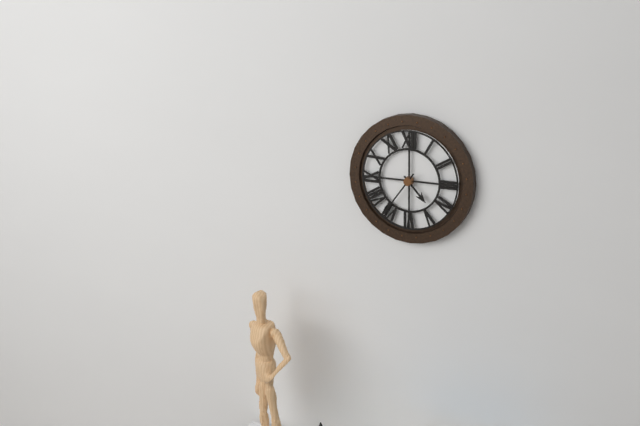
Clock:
4 h 36 min
